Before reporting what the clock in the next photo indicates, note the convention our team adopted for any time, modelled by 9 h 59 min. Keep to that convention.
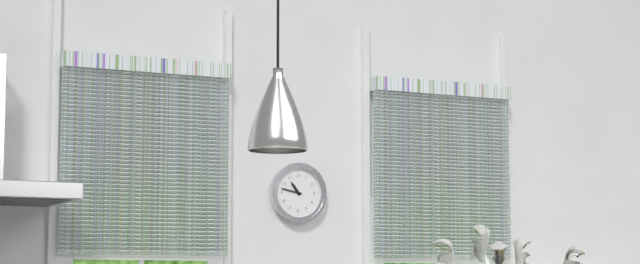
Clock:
10 h 47 min
